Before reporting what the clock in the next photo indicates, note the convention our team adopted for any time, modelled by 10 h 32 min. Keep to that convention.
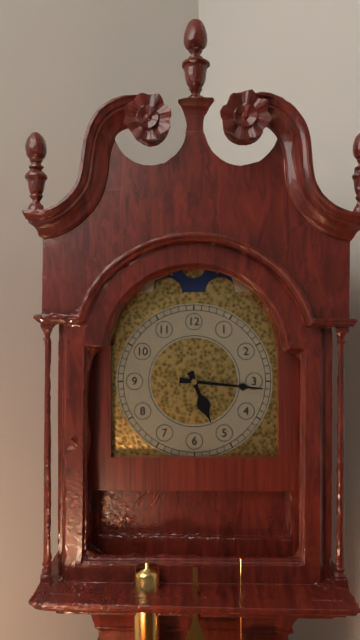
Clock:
5 h 16 min
